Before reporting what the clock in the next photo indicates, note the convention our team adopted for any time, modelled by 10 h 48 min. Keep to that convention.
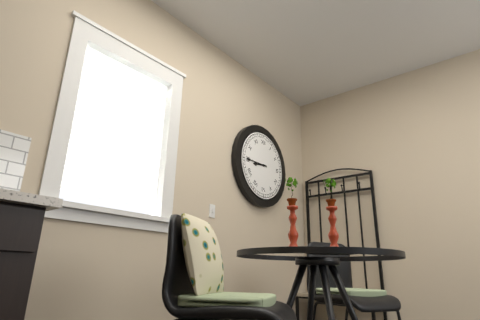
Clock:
8 h 45 min
